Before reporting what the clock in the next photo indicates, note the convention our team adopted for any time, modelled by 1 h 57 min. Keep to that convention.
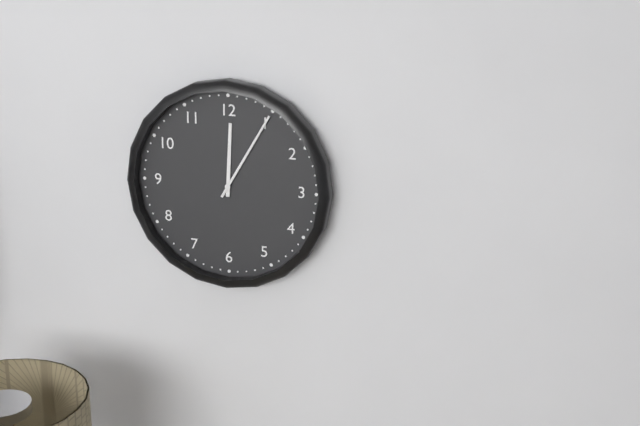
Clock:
12 h 05 min
